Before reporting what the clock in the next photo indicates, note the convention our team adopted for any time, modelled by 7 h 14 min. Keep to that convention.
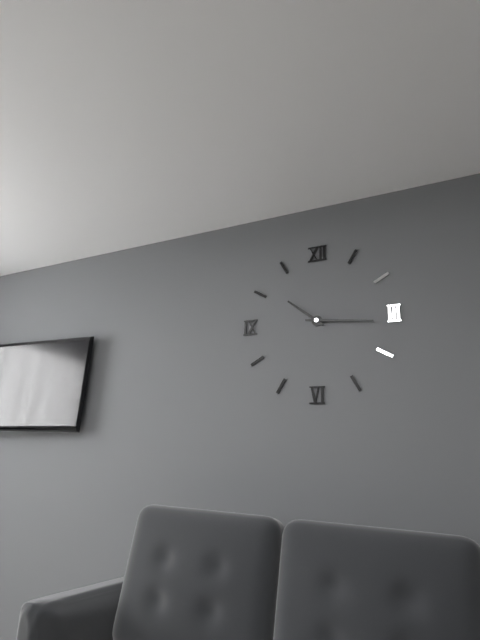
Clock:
10 h 16 min
